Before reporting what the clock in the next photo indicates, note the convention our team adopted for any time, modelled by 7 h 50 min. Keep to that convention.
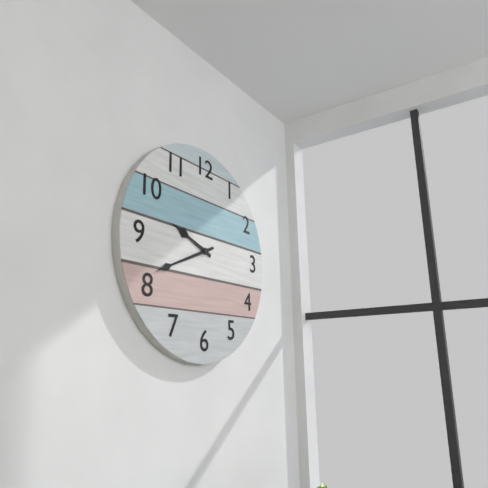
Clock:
9 h 41 min
